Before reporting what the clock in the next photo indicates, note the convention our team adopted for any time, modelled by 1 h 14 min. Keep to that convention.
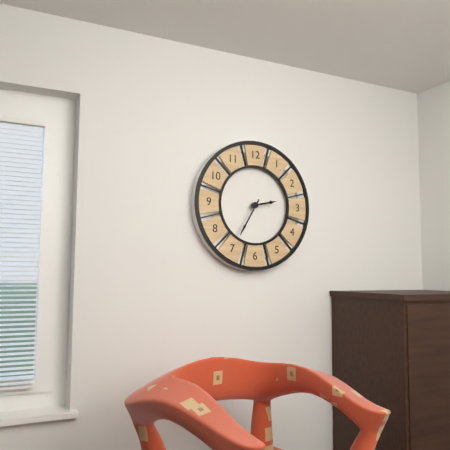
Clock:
2 h 35 min
